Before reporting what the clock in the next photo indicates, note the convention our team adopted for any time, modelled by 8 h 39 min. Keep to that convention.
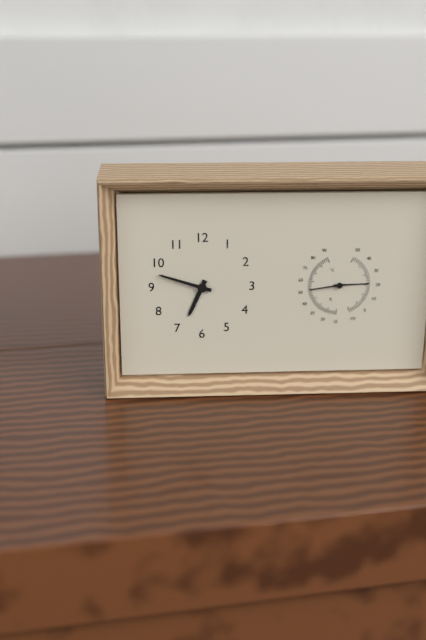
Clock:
6 h 48 min
